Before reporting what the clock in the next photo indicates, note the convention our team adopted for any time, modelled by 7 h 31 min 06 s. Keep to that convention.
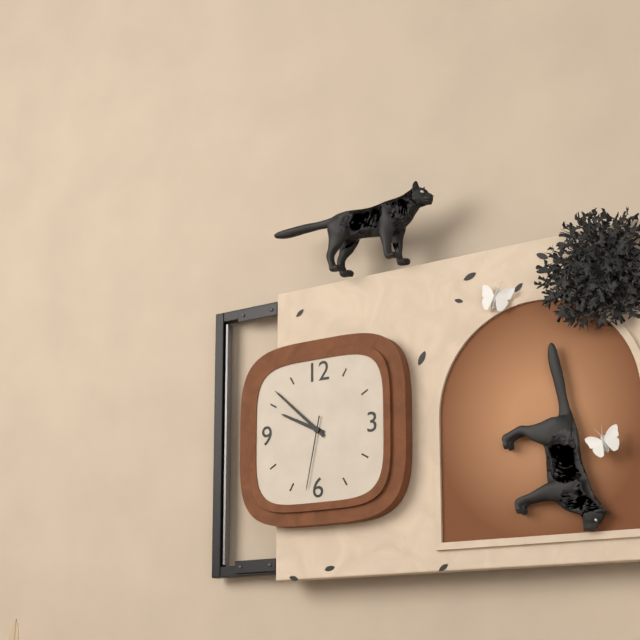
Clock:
9 h 52 min 32 s
